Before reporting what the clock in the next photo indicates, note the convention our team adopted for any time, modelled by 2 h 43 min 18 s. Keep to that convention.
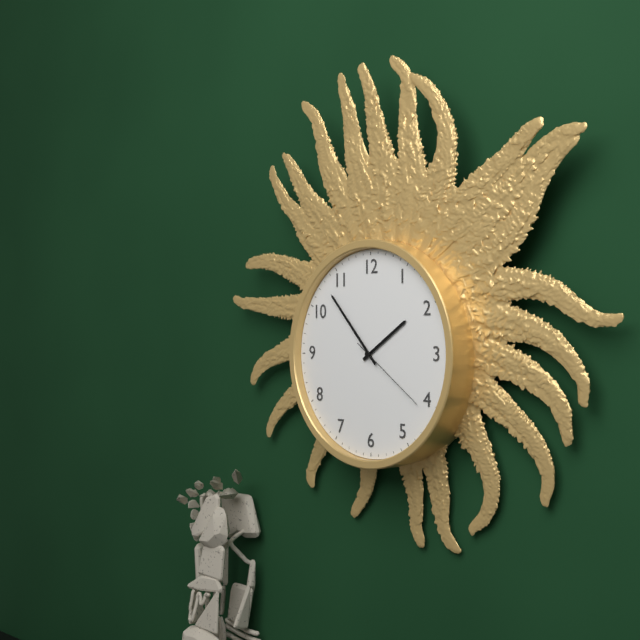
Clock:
1 h 53 min 21 s
